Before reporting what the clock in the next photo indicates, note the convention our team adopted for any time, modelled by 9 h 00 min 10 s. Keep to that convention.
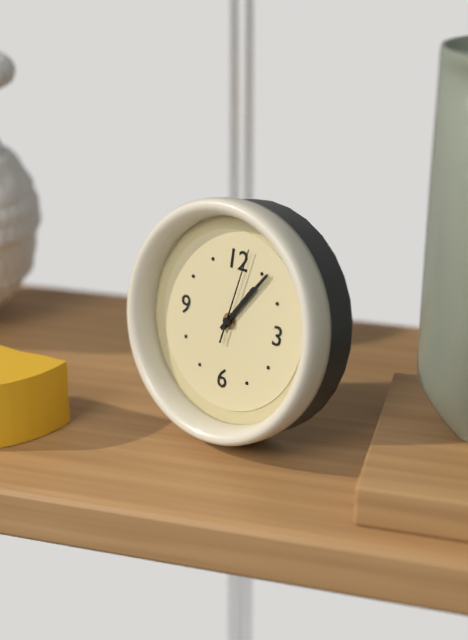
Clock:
1 h 06 min 02 s
